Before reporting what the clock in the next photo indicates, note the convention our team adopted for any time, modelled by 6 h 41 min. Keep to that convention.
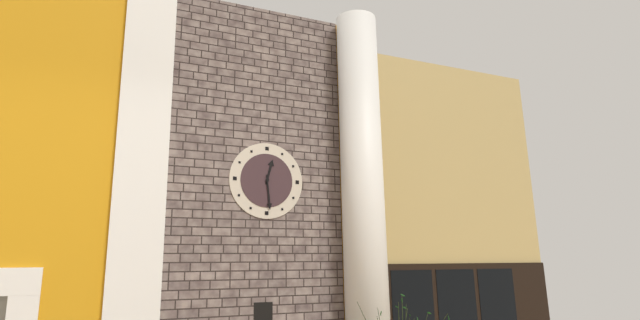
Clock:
12 h 29 min
